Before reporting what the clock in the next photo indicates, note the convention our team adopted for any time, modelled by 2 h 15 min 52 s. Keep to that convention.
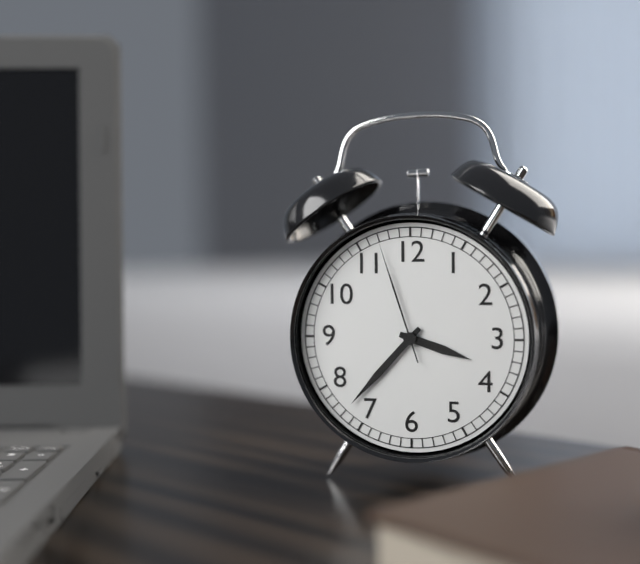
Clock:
3 h 37 min 57 s
